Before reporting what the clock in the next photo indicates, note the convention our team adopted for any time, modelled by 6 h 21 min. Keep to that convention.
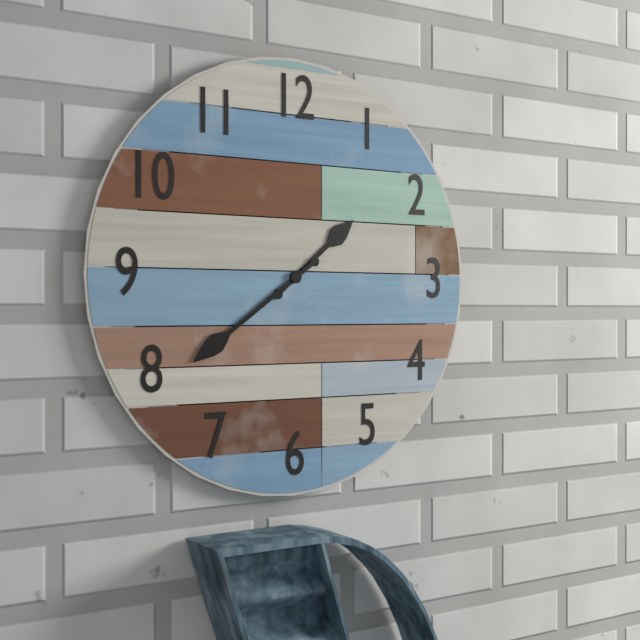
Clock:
1 h 39 min
